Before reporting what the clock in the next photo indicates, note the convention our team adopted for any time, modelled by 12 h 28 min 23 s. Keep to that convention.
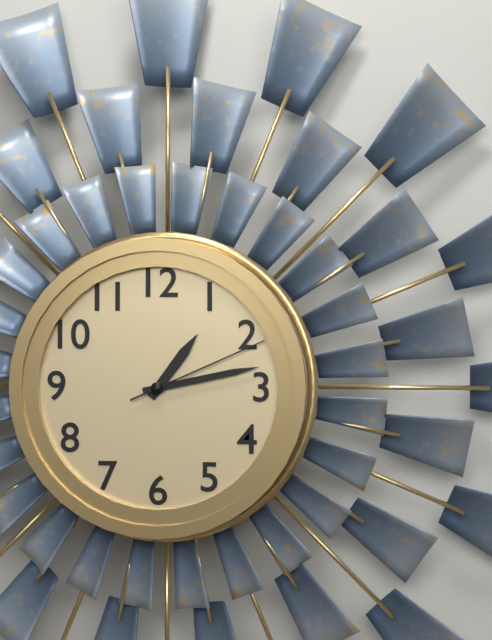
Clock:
1 h 13 min 11 s
